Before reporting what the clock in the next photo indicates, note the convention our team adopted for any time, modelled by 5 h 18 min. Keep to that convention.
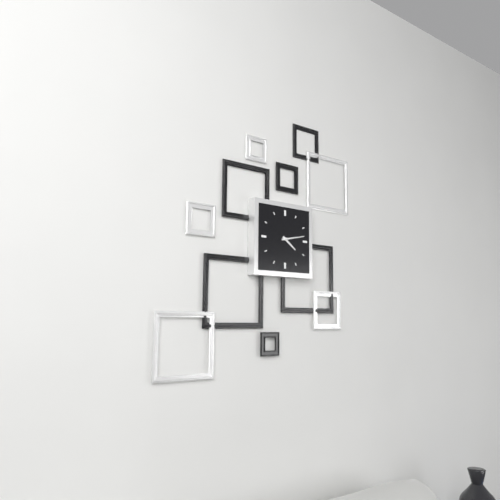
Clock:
4 h 13 min
